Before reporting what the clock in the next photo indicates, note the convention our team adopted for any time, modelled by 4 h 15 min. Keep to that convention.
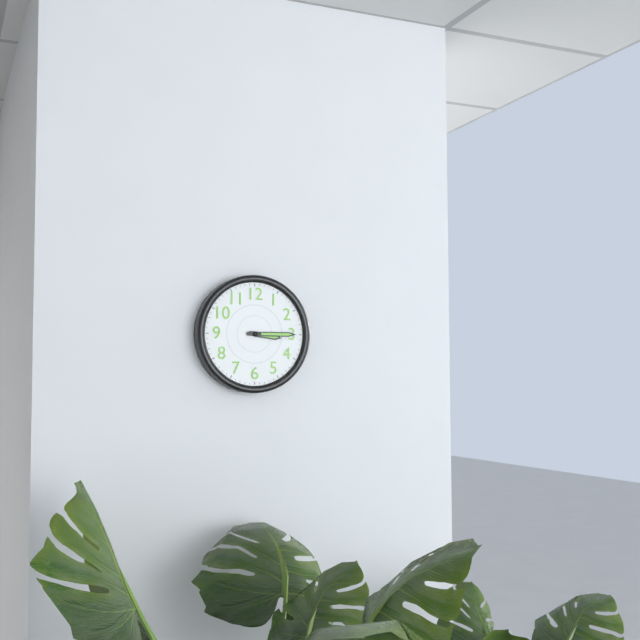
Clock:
3 h 15 min
